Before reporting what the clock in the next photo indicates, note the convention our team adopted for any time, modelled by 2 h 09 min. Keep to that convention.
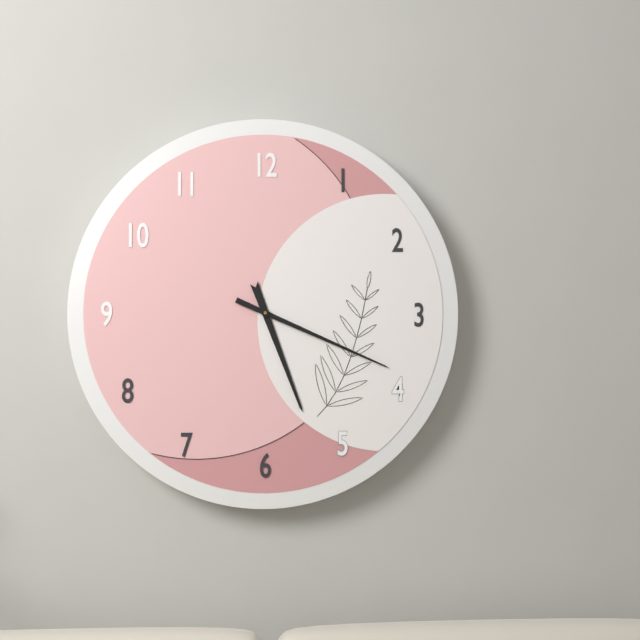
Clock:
5 h 19 min
